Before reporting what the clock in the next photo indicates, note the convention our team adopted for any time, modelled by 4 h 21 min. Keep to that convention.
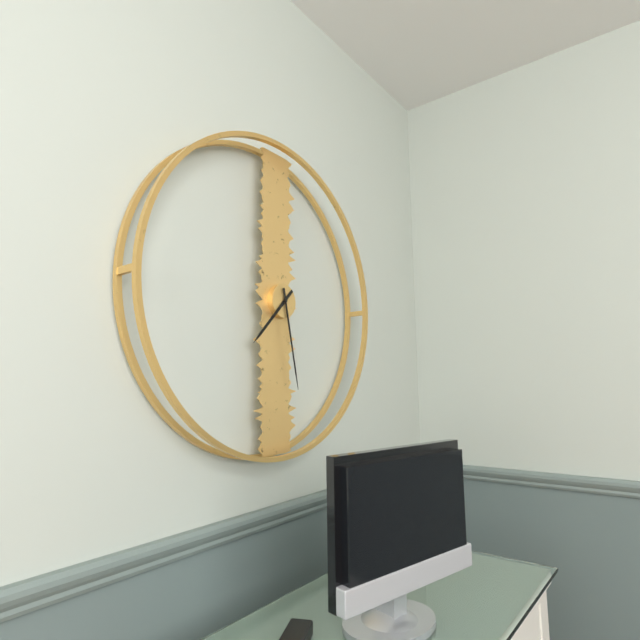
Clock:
7 h 28 min
